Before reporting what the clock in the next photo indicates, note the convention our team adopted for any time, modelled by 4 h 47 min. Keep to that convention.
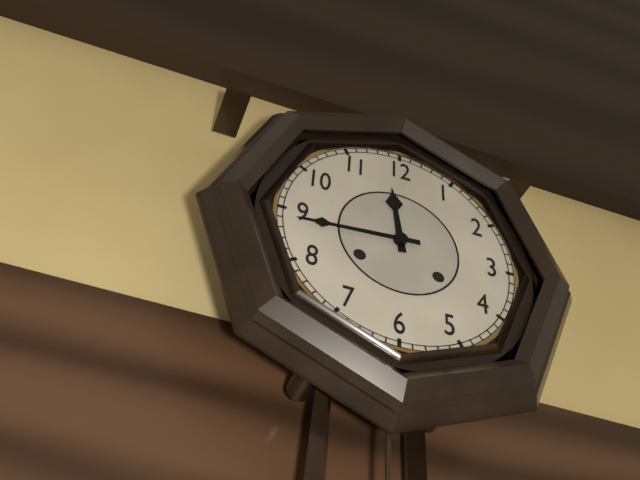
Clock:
11 h 44 min
